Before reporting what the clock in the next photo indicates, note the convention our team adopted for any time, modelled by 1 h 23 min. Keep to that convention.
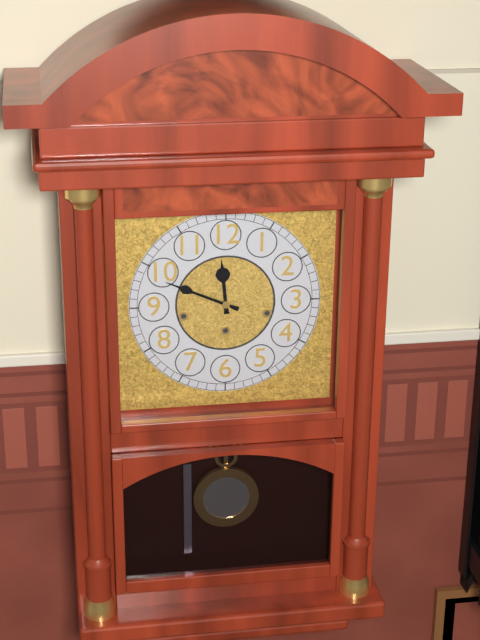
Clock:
11 h 49 min
